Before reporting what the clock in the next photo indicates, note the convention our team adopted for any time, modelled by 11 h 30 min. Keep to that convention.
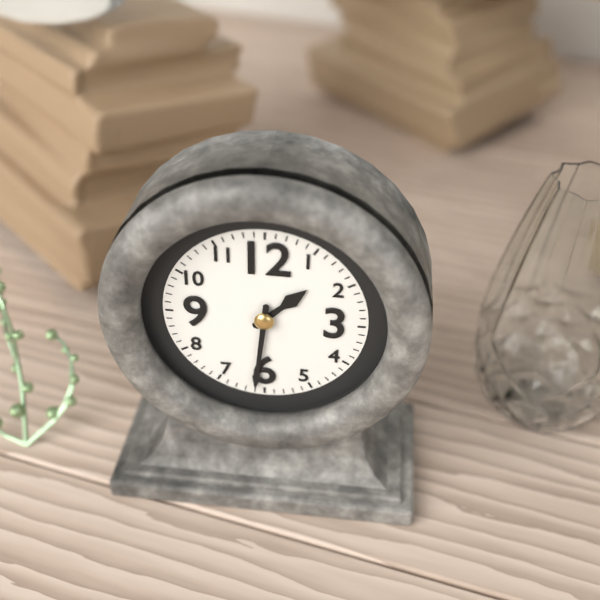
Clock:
1 h 31 min
